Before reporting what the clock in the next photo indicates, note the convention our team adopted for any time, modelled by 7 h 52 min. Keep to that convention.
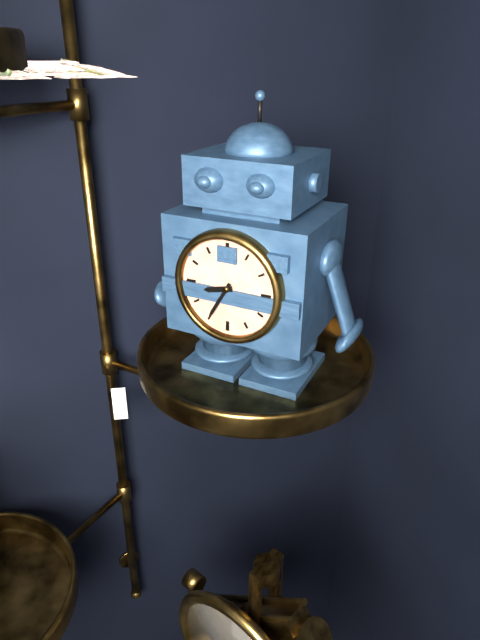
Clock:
8 h 35 min
